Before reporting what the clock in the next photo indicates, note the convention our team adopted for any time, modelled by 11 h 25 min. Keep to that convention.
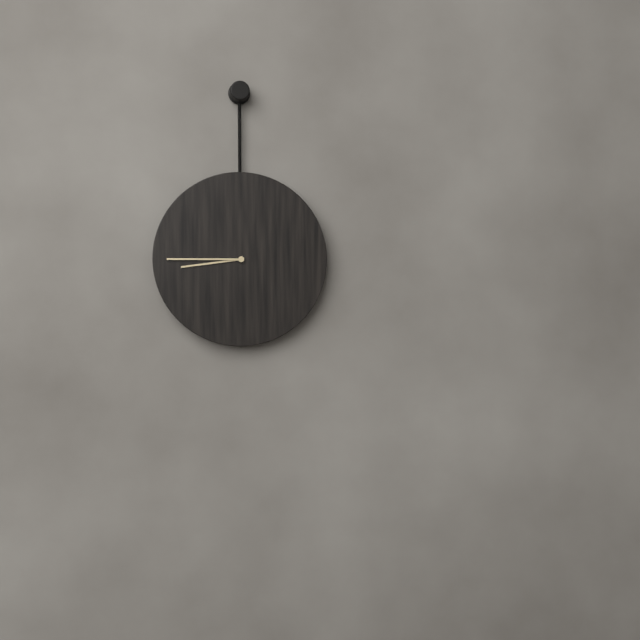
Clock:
8 h 45 min
